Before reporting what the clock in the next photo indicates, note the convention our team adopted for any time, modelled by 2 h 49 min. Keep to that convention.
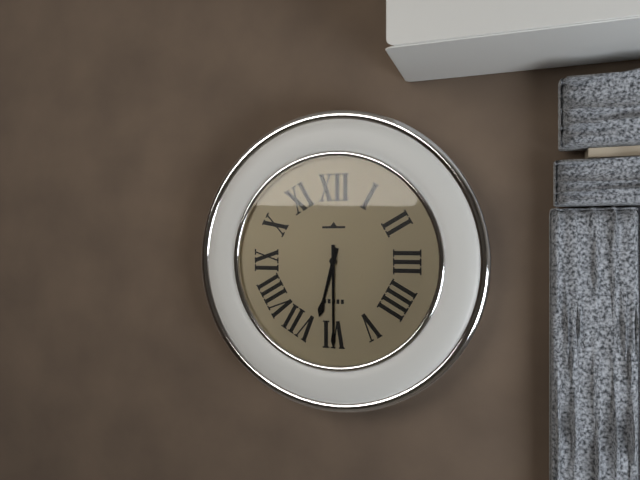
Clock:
6 h 30 min
